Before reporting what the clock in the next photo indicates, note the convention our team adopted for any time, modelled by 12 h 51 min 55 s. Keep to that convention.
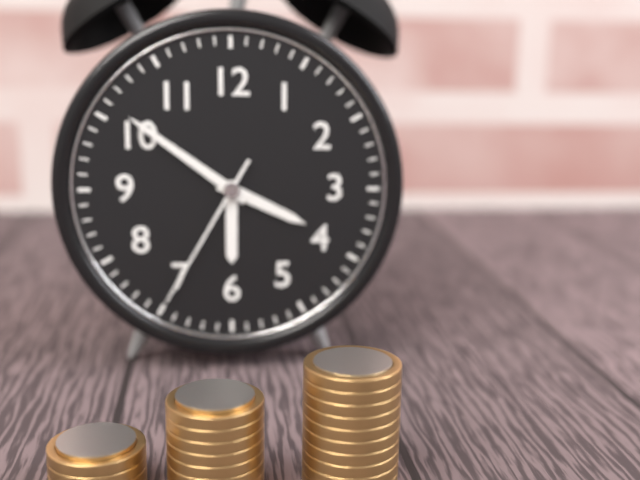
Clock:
3 h 51 min 35 s
